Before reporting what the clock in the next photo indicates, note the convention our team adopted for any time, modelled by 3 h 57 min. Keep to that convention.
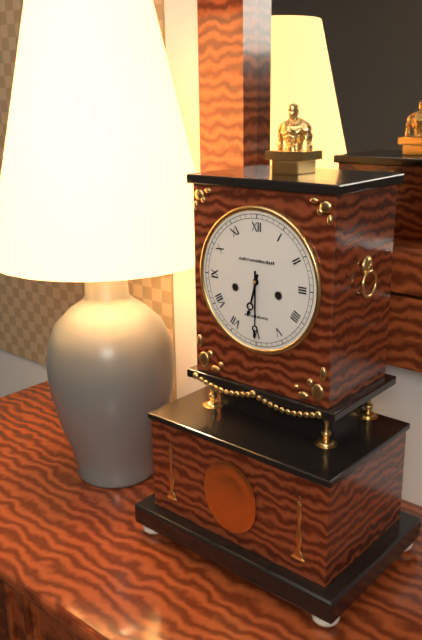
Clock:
6 h 30 min
